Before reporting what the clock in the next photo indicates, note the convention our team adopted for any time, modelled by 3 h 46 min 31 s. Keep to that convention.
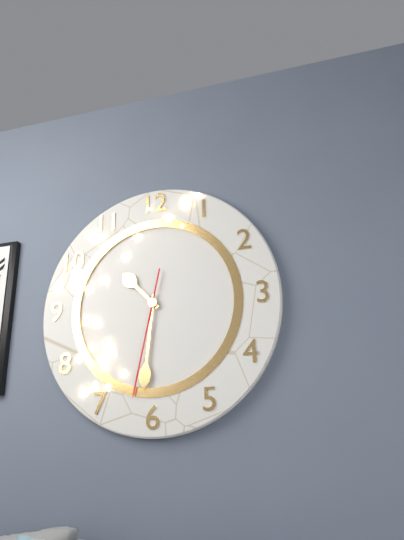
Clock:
10 h 31 min 32 s
